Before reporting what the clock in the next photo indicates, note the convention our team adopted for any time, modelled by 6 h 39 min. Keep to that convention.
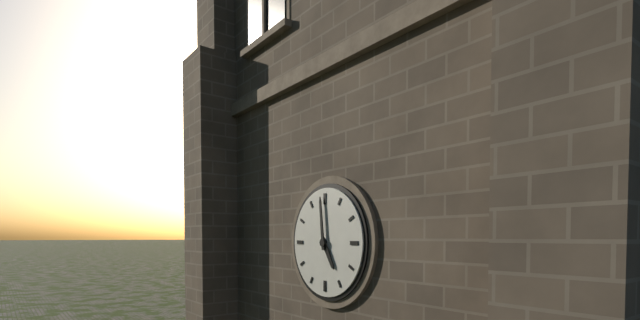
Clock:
4 h 59 min
